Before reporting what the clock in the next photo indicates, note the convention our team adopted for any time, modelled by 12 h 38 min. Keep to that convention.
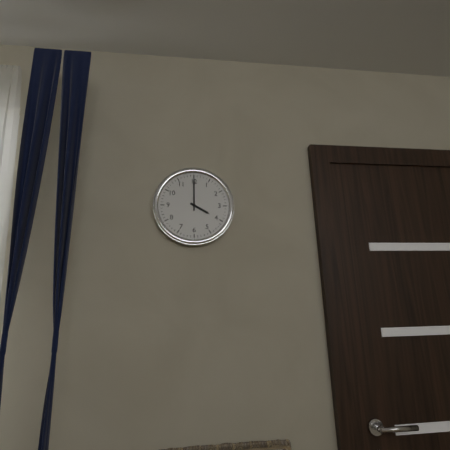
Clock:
4 h 00 min
